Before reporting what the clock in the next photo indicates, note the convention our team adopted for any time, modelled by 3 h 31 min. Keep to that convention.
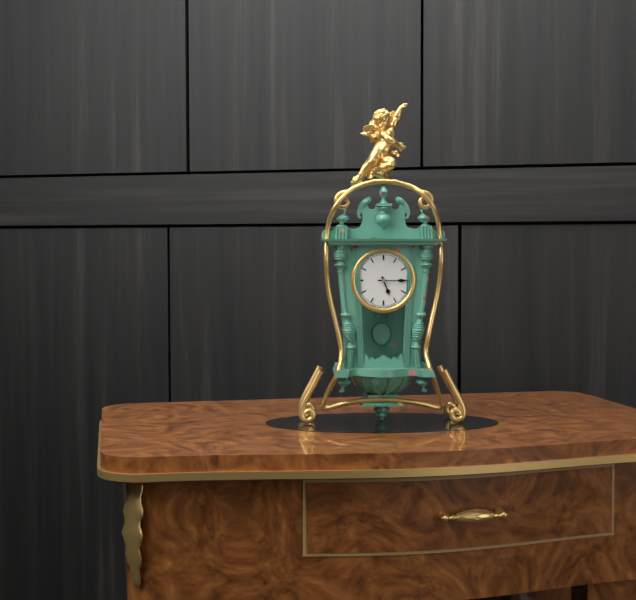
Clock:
5 h 15 min
